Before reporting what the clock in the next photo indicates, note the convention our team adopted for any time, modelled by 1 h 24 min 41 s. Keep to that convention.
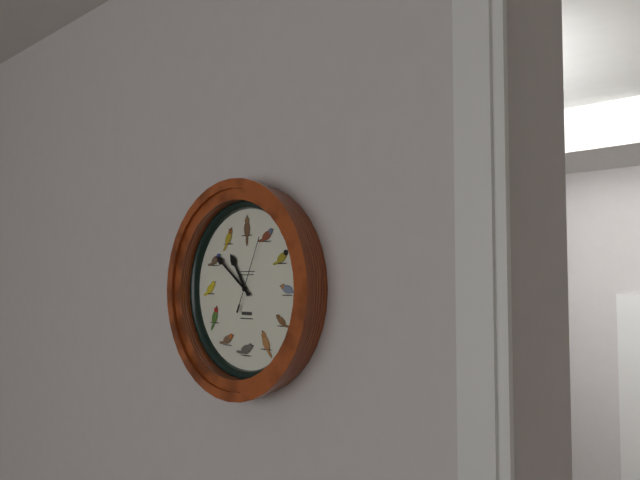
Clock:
10 h 51 min 04 s
